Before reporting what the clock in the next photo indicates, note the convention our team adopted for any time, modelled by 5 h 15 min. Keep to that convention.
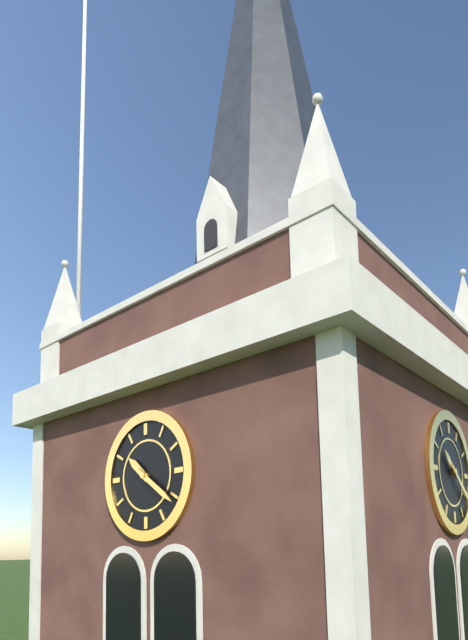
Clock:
10 h 21 min
